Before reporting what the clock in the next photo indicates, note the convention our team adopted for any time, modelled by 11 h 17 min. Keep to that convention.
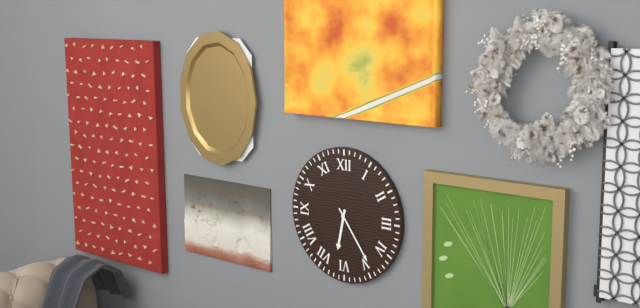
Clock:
6 h 24 min
